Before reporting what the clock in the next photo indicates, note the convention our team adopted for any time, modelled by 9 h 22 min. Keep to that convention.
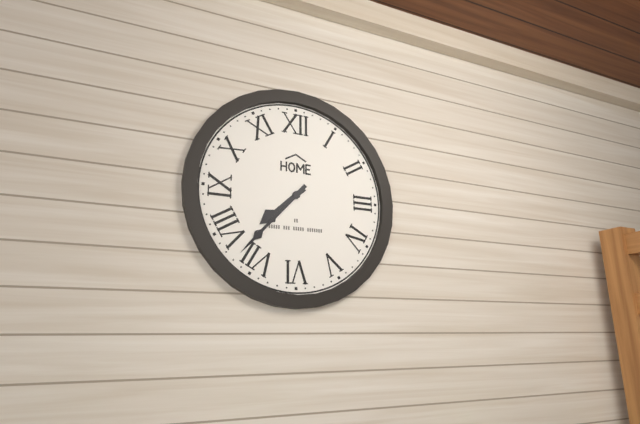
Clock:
7 h 37 min
